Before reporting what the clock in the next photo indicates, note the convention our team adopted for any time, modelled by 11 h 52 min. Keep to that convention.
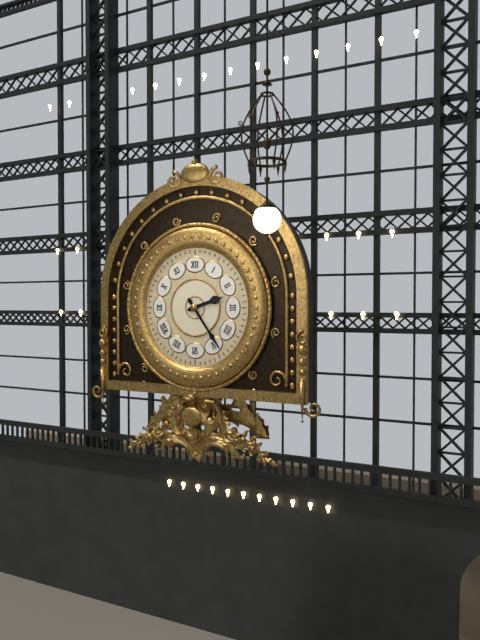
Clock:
2 h 24 min
